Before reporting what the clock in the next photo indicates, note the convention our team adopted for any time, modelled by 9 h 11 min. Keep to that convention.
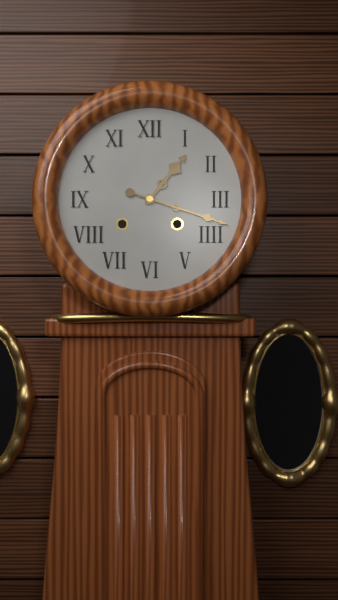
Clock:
1 h 18 min
